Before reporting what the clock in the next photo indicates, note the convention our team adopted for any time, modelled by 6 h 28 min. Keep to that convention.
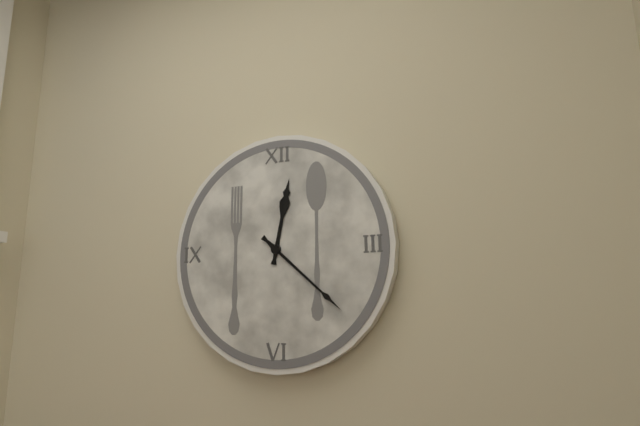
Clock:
12 h 22 min
